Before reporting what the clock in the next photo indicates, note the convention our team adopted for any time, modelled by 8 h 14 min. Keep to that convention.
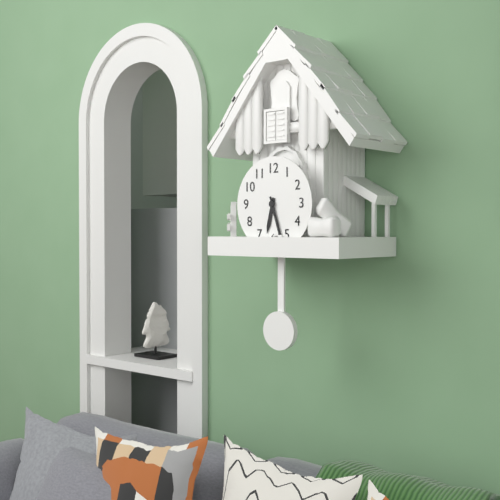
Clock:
6 h 27 min
